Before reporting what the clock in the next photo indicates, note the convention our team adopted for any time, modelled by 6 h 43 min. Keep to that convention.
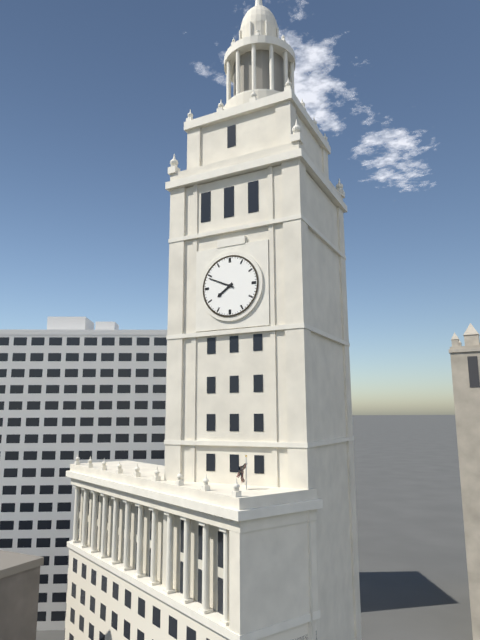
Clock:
7 h 49 min
